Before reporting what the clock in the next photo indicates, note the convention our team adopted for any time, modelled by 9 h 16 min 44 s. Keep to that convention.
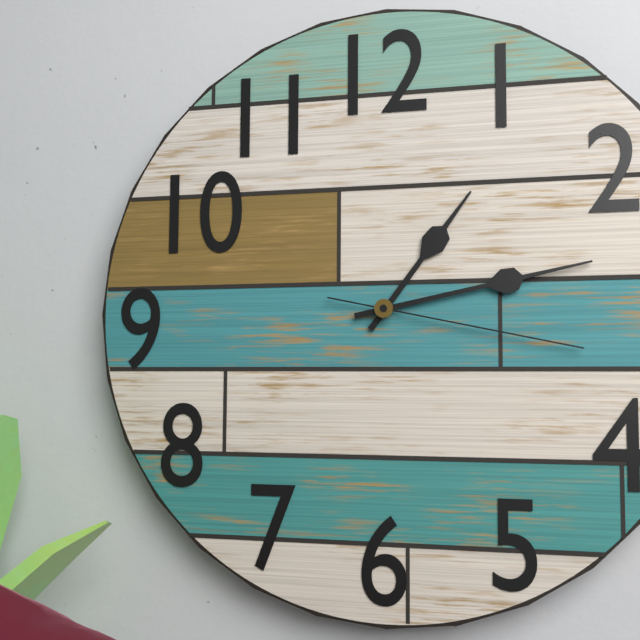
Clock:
1 h 13 min 17 s
